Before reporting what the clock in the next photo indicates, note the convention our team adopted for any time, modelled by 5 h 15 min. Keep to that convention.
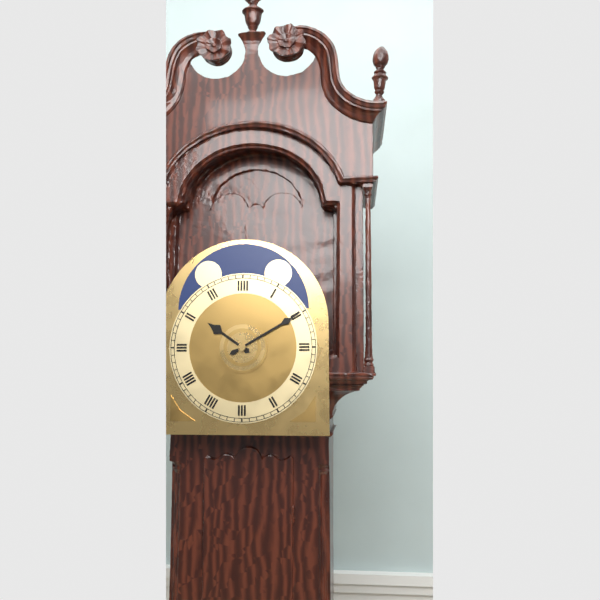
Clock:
10 h 10 min
